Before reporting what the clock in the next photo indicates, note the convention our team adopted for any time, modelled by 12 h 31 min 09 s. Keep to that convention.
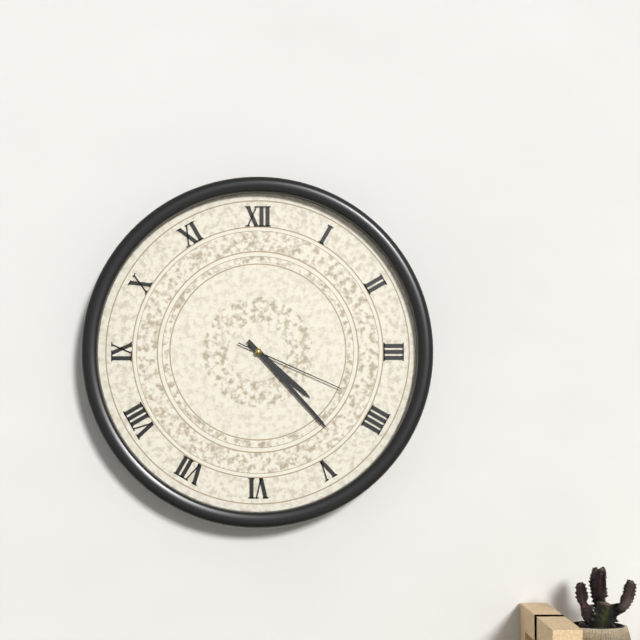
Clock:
4 h 23 min 19 s
